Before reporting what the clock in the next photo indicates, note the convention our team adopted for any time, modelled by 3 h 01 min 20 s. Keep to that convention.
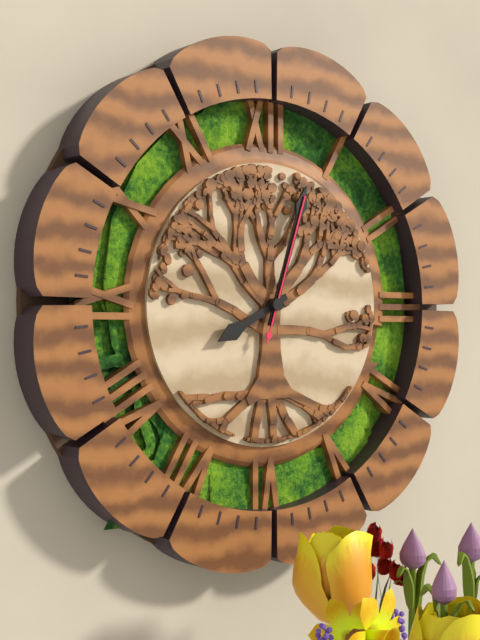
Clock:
8 h 03 min 03 s
